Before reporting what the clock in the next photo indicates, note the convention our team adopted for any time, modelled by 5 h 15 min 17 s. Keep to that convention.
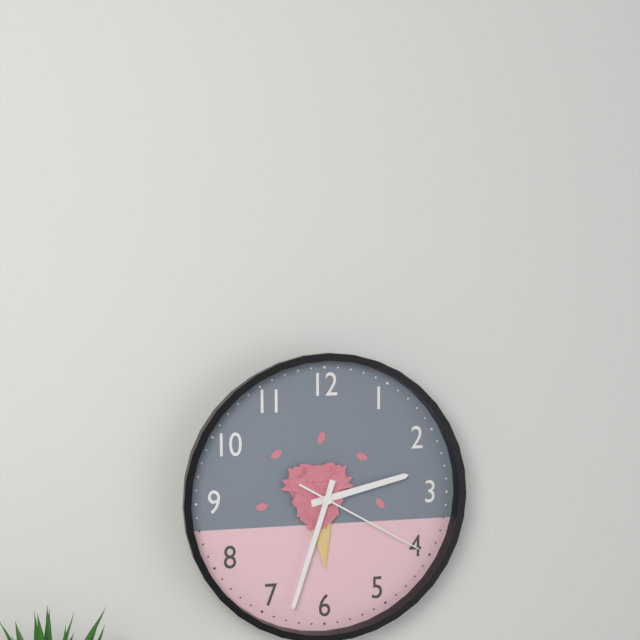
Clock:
2 h 33 min 20 s
